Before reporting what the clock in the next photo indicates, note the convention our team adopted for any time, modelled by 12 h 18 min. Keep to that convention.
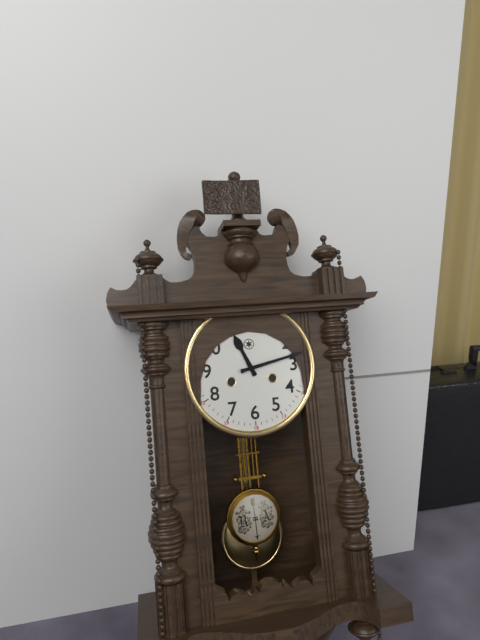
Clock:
11 h 13 min
